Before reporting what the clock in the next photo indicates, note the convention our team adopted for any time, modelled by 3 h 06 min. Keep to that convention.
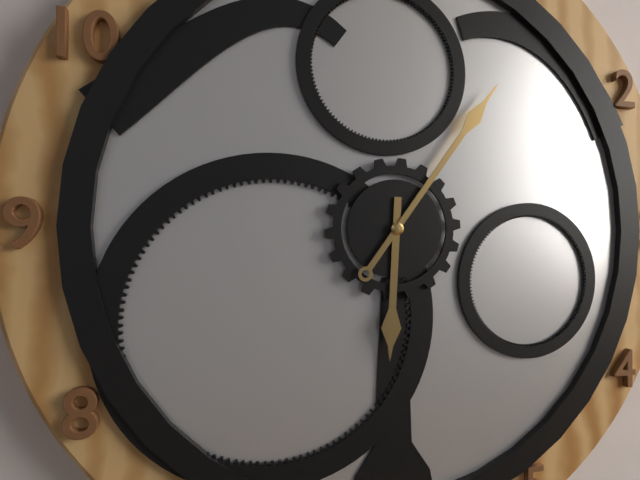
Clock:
6 h 06 min
